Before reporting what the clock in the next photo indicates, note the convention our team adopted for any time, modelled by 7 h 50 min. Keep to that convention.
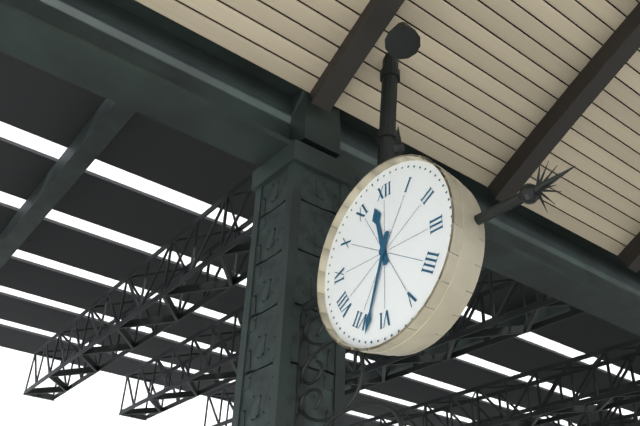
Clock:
11 h 33 min
